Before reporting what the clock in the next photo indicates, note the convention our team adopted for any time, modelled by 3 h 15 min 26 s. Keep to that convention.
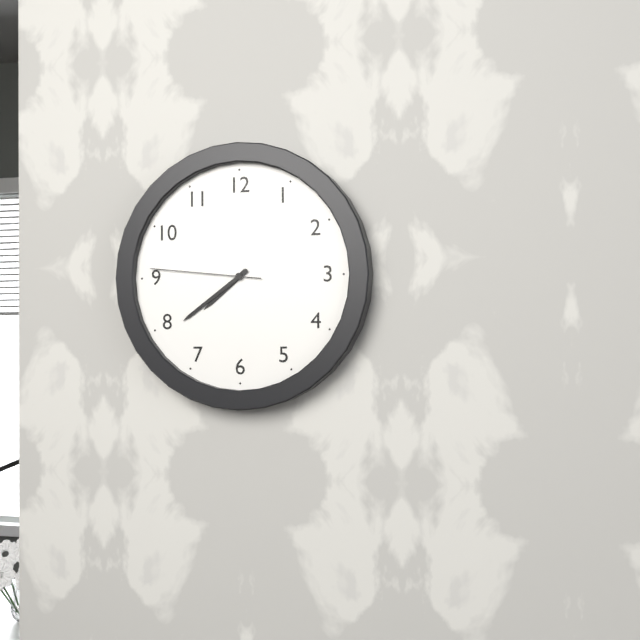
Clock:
7 h 39 min 46 s
